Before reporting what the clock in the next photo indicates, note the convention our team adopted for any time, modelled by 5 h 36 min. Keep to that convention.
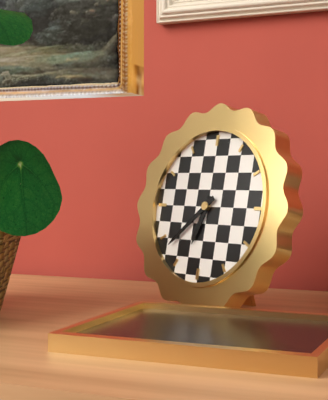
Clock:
6 h 38 min
